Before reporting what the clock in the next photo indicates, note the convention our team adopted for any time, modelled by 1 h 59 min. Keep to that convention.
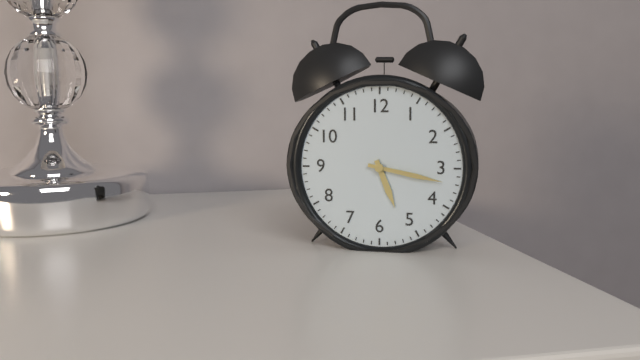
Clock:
5 h 17 min
